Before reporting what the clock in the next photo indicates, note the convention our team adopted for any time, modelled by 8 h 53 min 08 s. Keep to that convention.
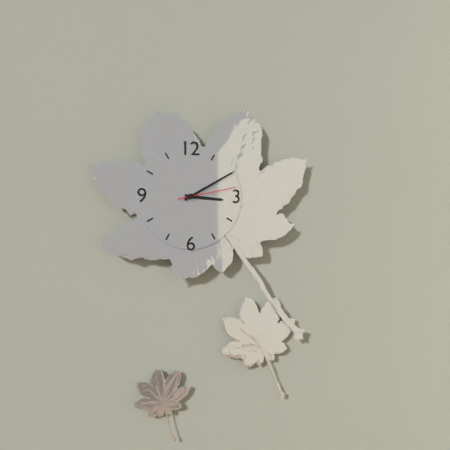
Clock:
3 h 10 min 13 s
